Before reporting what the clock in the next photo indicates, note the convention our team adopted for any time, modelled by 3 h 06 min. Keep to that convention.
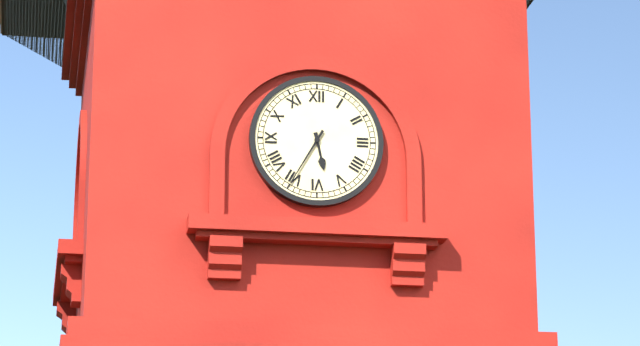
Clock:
5 h 35 min
